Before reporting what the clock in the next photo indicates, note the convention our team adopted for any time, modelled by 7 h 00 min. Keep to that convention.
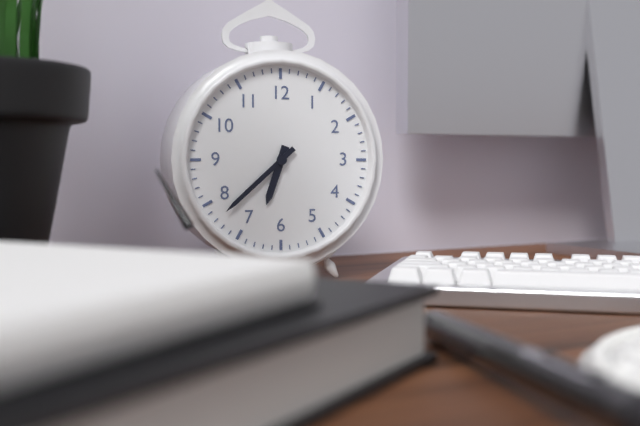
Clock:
6 h 38 min
